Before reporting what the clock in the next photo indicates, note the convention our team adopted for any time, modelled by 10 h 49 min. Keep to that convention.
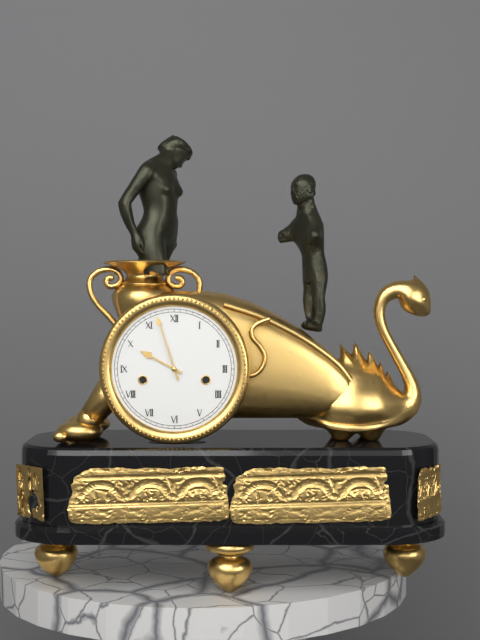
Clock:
9 h 57 min
